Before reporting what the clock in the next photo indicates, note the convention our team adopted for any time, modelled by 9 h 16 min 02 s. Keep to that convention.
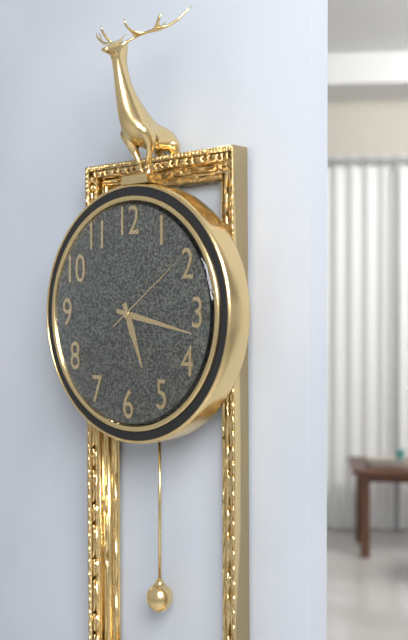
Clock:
5 h 17 min 09 s
